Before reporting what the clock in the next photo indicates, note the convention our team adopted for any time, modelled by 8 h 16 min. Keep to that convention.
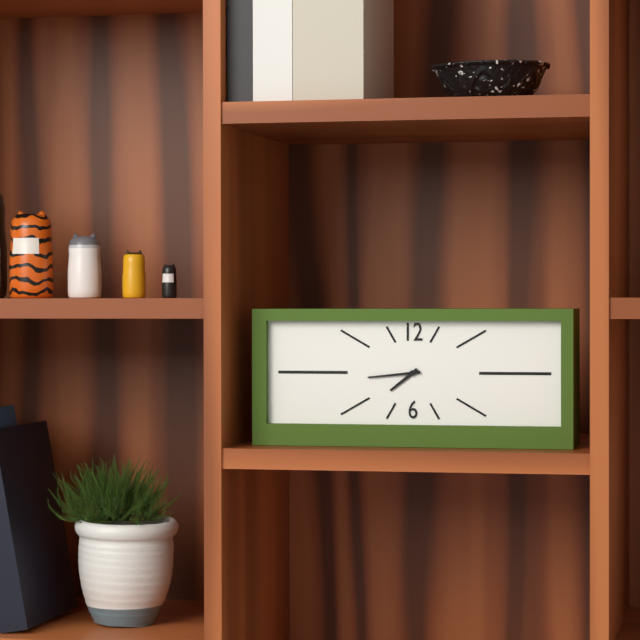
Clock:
7 h 44 min
